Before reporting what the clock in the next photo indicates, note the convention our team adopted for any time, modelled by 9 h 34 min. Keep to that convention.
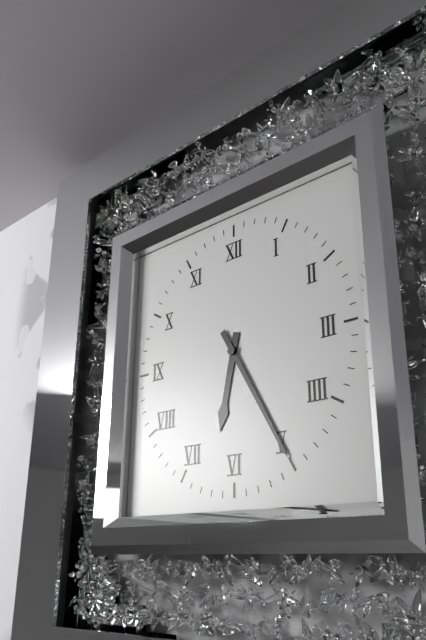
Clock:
6 h 25 min
